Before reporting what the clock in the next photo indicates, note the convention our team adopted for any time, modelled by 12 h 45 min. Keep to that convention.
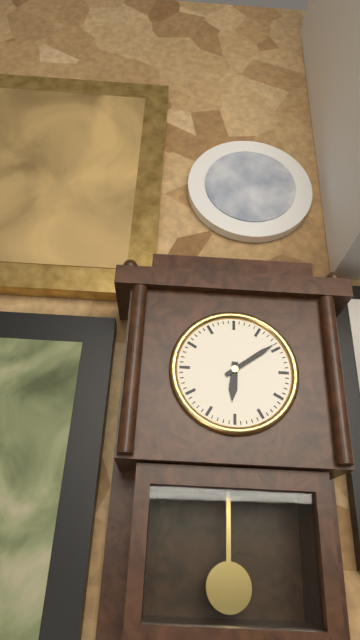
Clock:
6 h 09 min
